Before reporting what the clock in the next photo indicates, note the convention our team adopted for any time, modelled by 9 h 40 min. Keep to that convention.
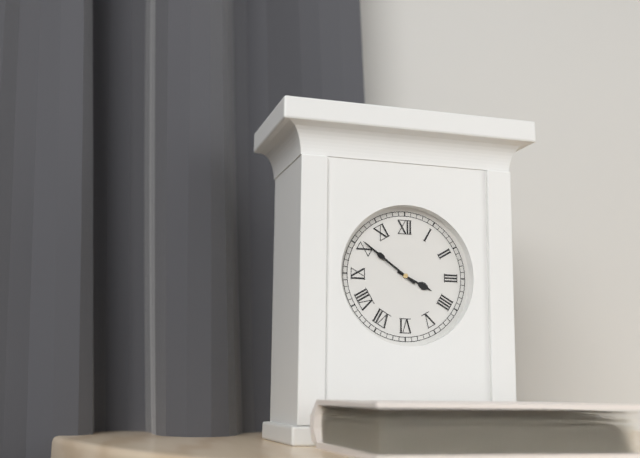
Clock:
3 h 51 min
